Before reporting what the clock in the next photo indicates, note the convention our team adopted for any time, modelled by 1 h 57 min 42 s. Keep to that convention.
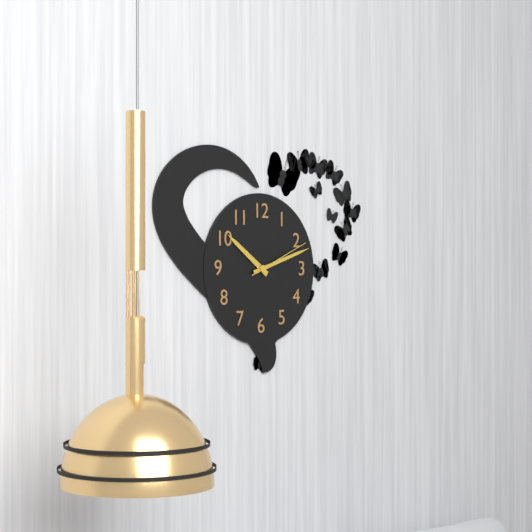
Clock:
10 h 12 min 11 s
